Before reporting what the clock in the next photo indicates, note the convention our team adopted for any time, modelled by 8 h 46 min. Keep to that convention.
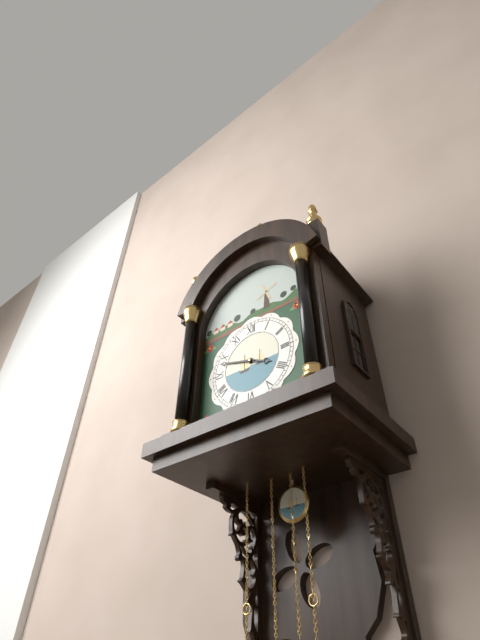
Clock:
3 h 48 min
